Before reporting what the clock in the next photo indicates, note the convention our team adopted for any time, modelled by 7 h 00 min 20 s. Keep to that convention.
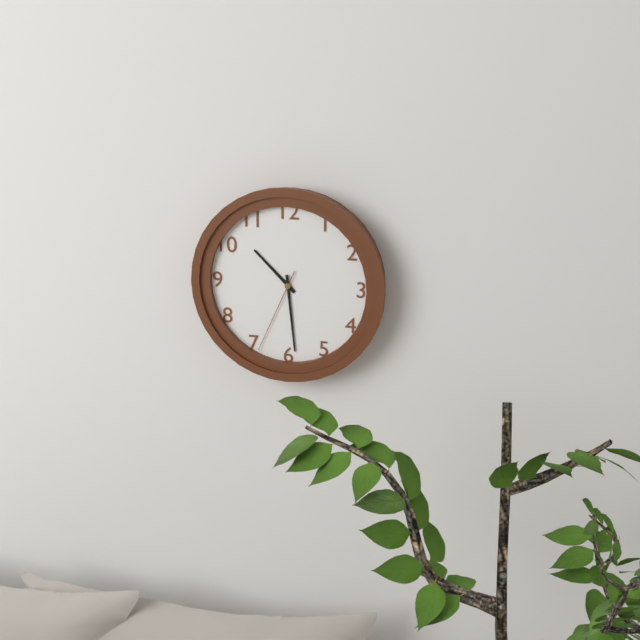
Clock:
10 h 29 min 34 s
